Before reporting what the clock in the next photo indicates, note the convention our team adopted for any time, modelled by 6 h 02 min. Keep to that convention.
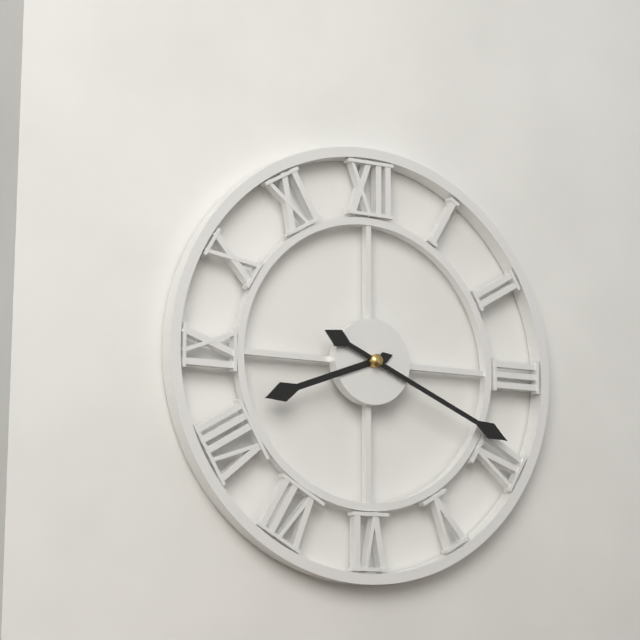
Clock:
8 h 19 min
